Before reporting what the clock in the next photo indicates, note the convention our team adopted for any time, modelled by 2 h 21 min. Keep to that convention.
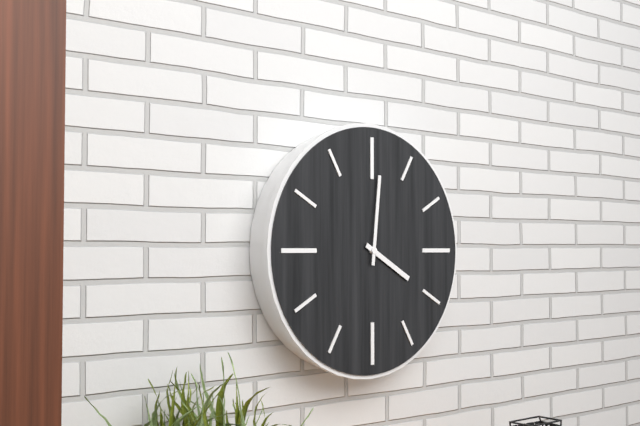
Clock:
4 h 01 min
